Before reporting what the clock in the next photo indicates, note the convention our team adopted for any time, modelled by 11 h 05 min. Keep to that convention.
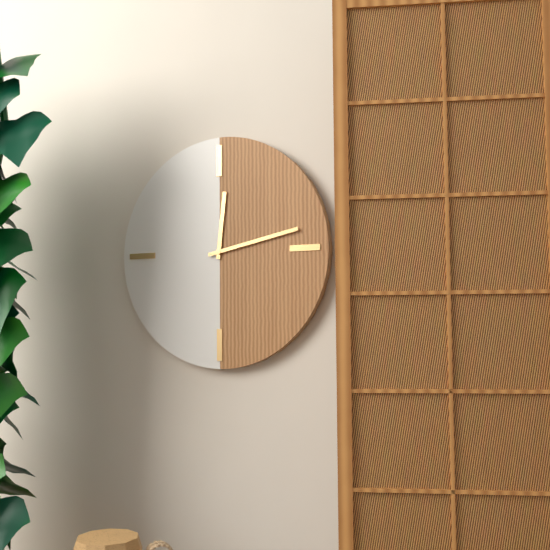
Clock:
12 h 13 min
